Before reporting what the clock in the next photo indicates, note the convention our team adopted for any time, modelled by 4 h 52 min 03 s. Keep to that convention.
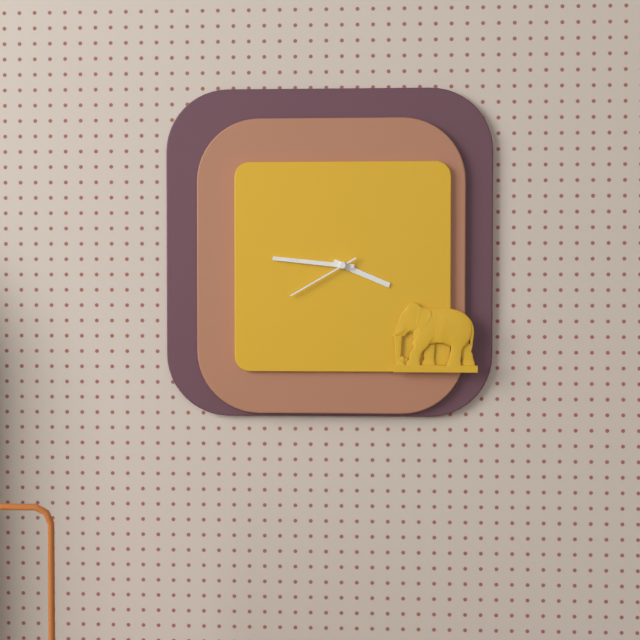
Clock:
3 h 46 min 40 s
